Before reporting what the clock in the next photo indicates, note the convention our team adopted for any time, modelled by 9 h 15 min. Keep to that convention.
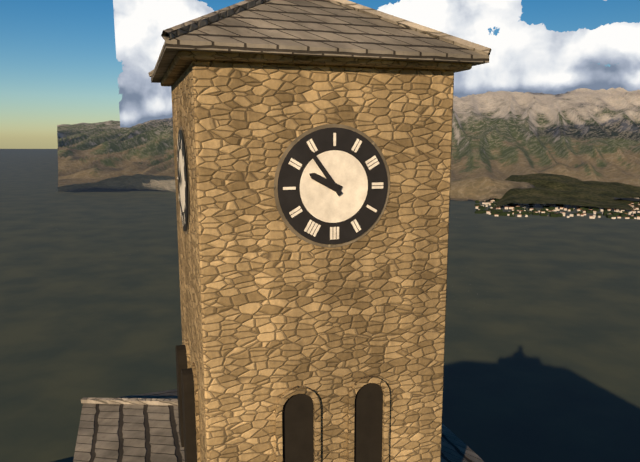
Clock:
9 h 54 min
